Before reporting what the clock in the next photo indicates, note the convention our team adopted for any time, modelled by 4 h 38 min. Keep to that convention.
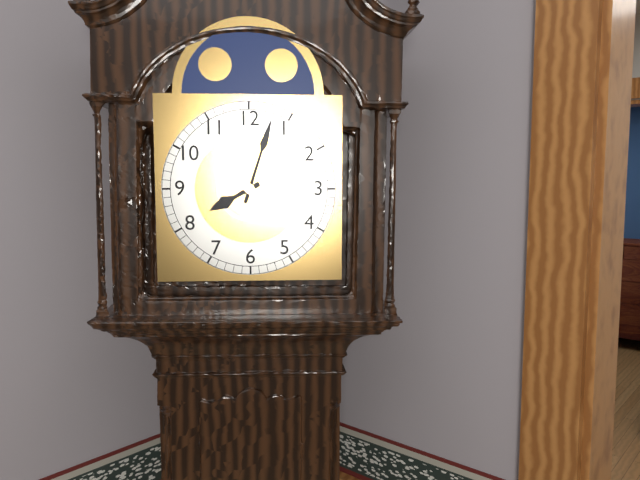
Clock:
8 h 03 min
